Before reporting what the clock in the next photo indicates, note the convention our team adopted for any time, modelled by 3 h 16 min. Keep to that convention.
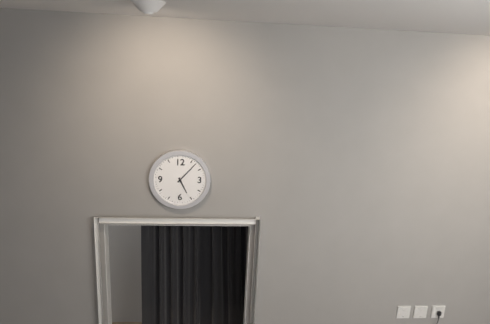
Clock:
5 h 07 min
